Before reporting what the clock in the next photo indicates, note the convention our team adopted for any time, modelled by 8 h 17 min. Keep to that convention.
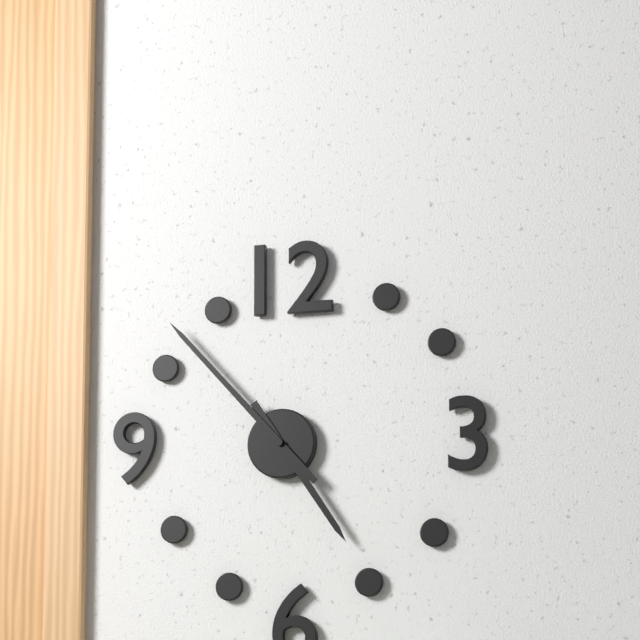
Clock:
4 h 53 min
